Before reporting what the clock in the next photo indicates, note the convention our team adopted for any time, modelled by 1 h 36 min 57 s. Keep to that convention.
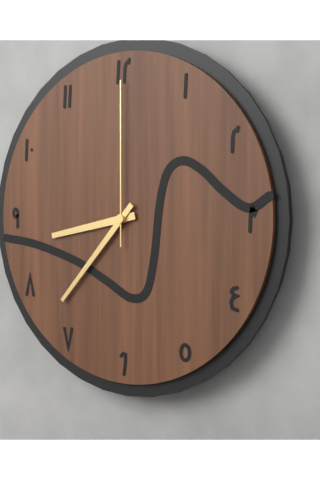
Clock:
8 h 37 min 00 s
